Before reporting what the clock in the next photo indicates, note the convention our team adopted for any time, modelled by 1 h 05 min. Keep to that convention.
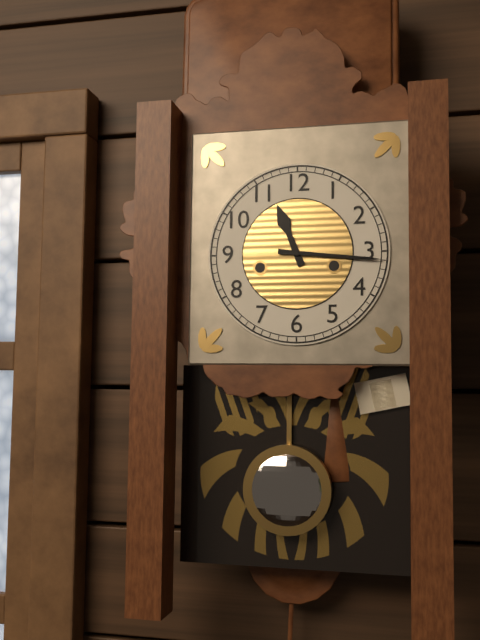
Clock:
11 h 16 min
